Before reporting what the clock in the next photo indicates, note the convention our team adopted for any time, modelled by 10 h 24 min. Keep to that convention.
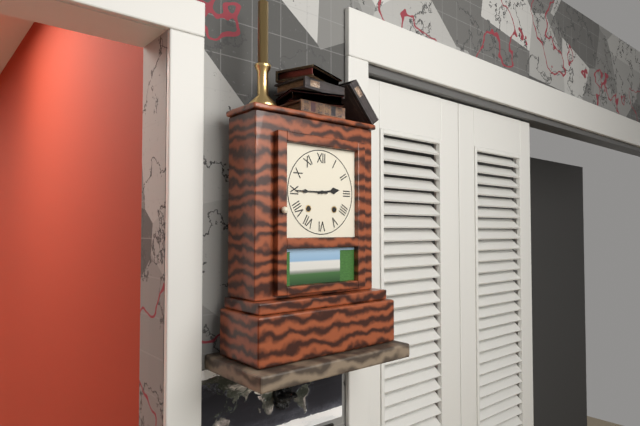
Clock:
2 h 45 min
